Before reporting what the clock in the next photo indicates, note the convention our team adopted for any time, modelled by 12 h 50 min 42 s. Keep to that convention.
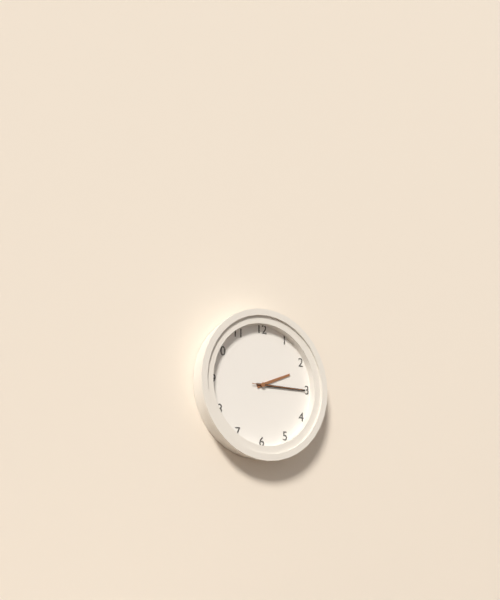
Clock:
2 h 15 min 15 s
